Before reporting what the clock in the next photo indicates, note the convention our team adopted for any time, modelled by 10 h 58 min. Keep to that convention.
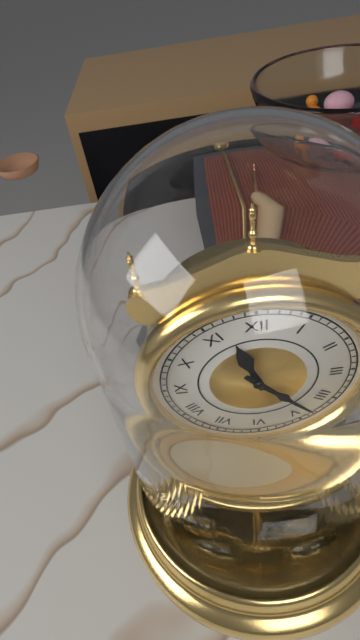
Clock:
11 h 23 min
